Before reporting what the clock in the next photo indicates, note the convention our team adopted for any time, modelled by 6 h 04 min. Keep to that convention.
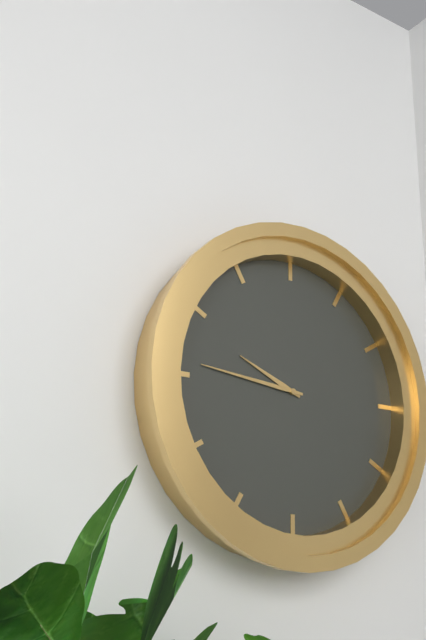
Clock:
9 h 46 min
